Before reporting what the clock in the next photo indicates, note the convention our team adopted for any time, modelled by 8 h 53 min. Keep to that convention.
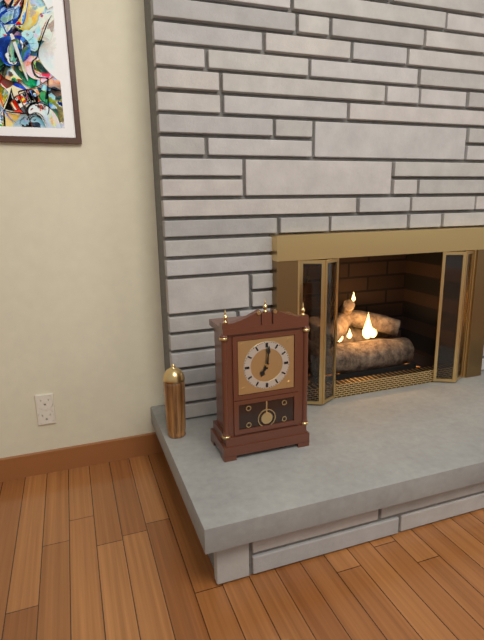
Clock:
7 h 01 min
